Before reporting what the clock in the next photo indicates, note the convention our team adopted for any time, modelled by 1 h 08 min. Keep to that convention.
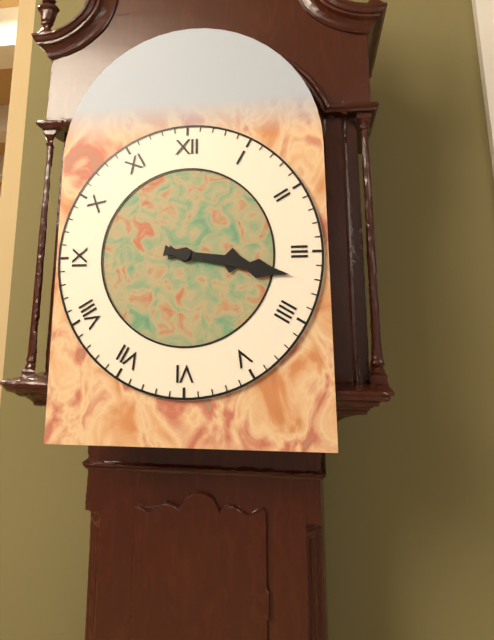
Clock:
3 h 17 min
